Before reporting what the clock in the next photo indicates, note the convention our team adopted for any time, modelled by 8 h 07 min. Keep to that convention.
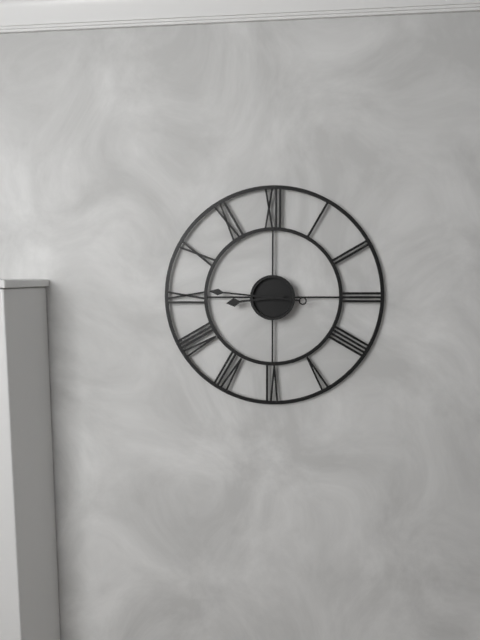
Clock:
8 h 46 min
